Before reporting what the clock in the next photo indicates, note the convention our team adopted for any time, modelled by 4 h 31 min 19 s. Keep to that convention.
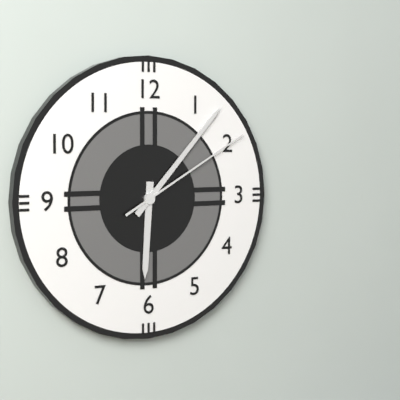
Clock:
6 h 07 min 10 s
